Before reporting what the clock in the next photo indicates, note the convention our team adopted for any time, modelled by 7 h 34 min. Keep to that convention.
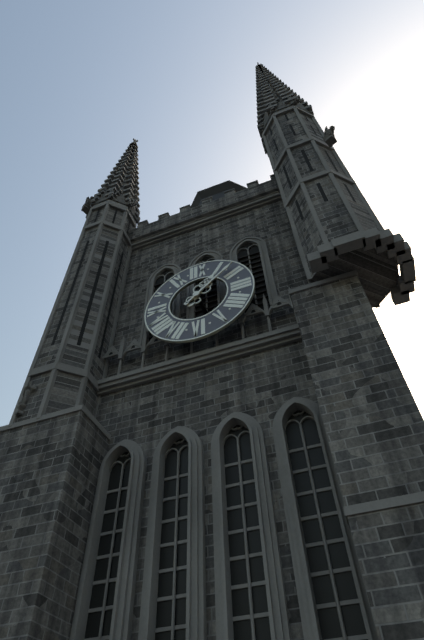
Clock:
1 h 08 min
